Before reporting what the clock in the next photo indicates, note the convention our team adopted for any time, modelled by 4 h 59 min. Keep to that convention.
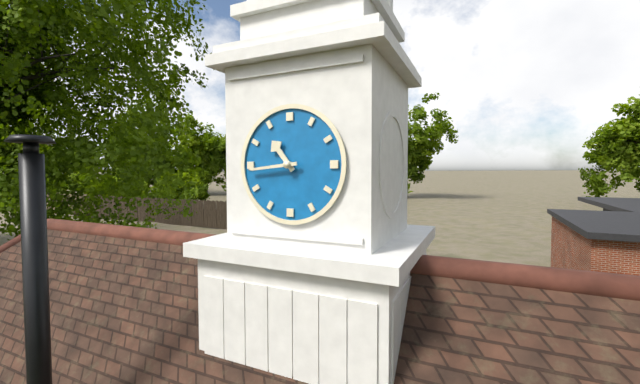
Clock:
10 h 44 min
